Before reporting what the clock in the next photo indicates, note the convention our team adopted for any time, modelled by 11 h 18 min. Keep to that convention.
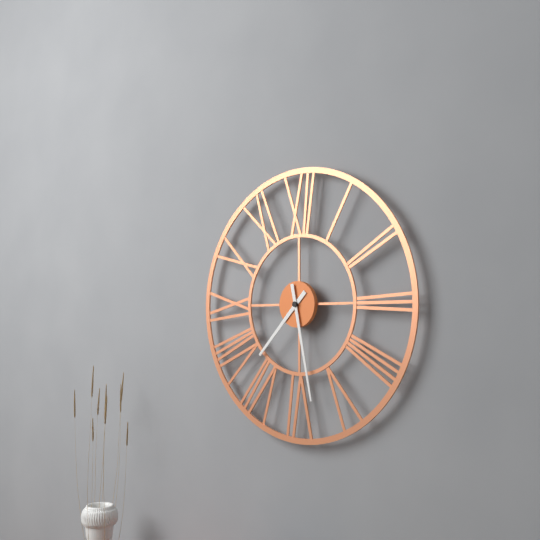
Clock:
7 h 28 min
